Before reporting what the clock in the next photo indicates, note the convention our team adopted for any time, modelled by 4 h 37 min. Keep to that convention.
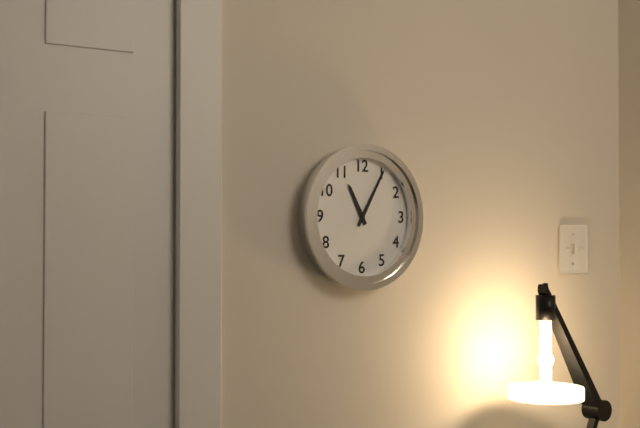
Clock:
11 h 05 min
